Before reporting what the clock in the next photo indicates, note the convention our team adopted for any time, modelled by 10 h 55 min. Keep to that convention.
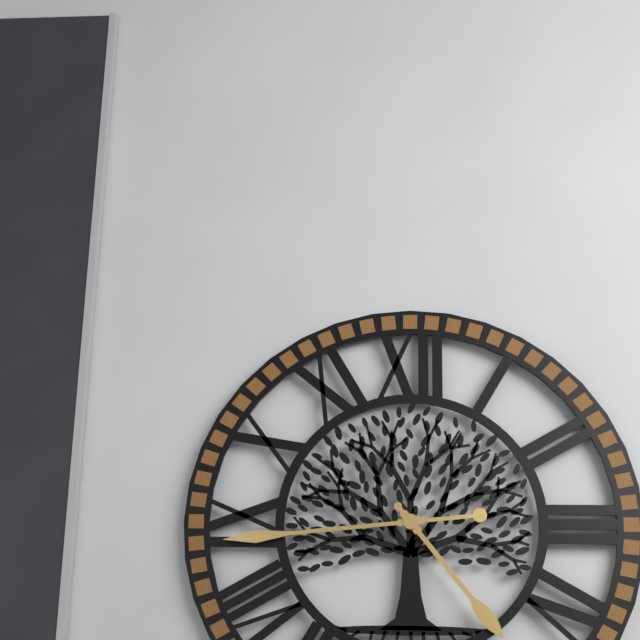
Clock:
4 h 44 min
